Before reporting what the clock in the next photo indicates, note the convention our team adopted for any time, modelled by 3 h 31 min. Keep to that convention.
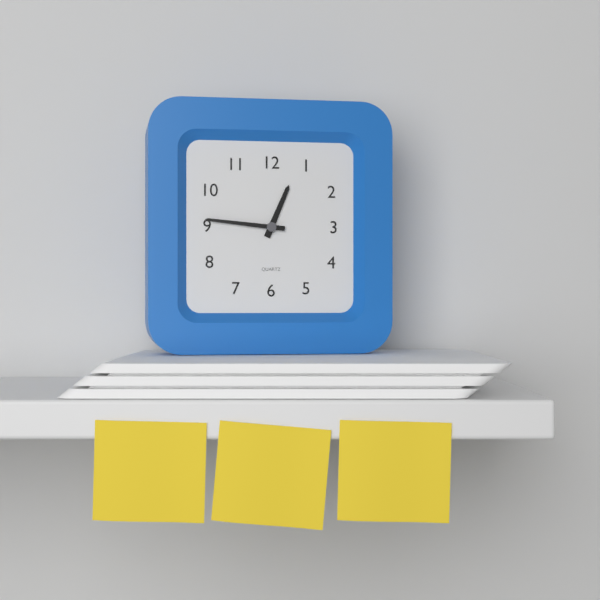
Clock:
12 h 46 min
